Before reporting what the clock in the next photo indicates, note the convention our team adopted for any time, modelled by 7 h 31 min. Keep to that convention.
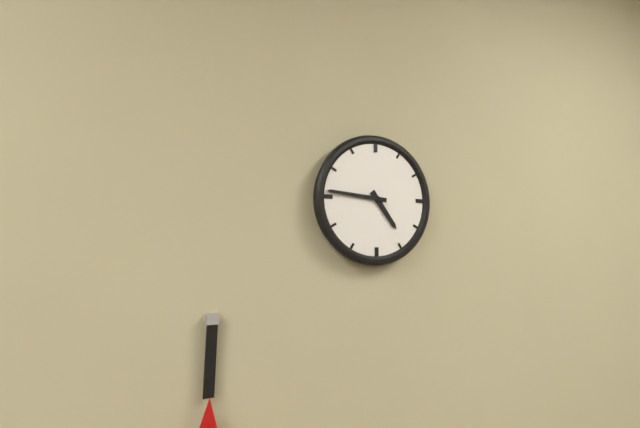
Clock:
4 h 46 min
